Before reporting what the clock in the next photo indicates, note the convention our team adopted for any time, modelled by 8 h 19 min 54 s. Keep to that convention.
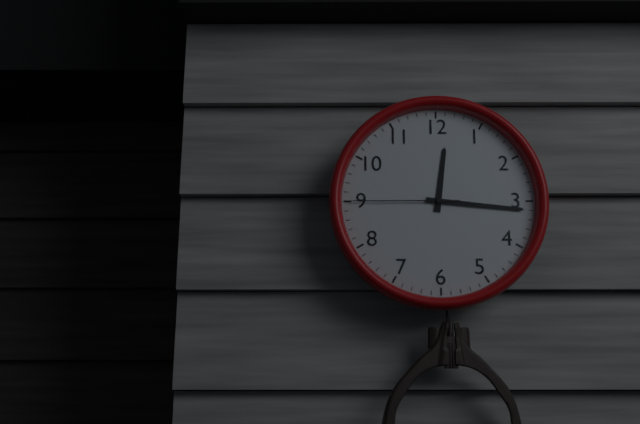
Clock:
12 h 16 min 45 s
